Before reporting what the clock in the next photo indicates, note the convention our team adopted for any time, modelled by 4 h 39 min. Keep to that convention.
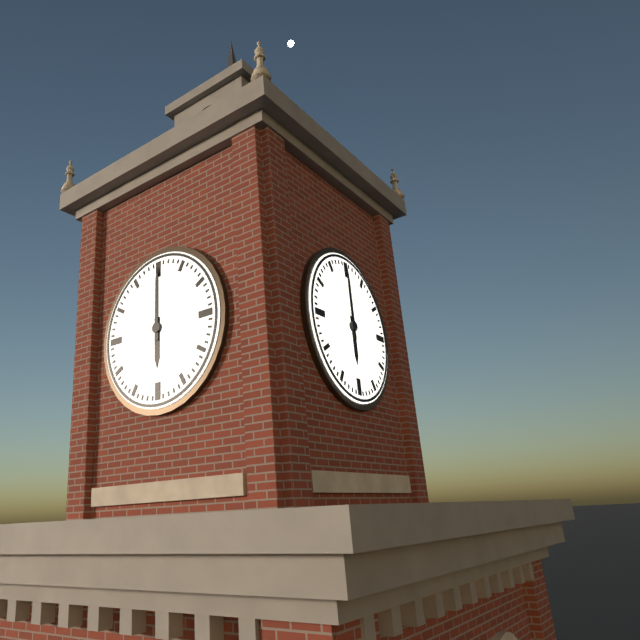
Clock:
6 h 00 min
